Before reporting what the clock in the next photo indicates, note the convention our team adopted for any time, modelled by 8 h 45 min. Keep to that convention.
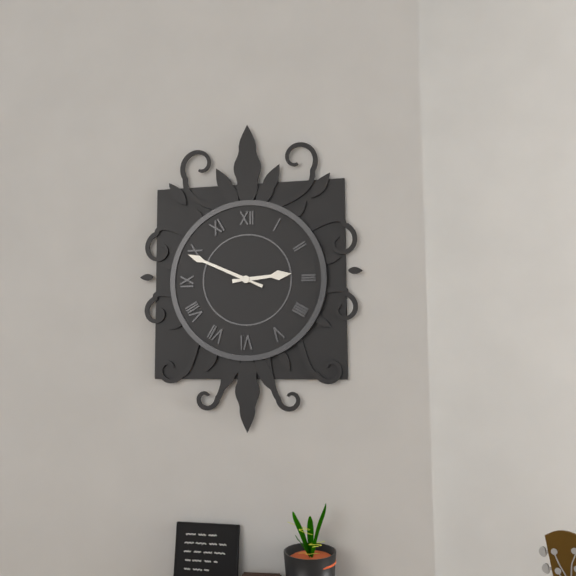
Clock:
2 h 49 min
